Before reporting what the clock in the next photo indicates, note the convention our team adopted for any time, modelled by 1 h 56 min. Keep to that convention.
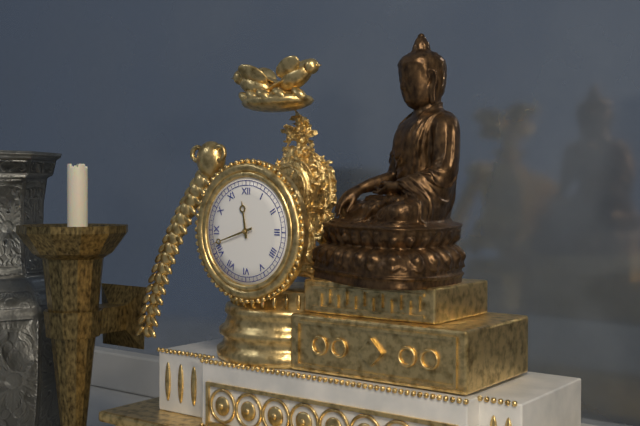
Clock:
11 h 42 min
